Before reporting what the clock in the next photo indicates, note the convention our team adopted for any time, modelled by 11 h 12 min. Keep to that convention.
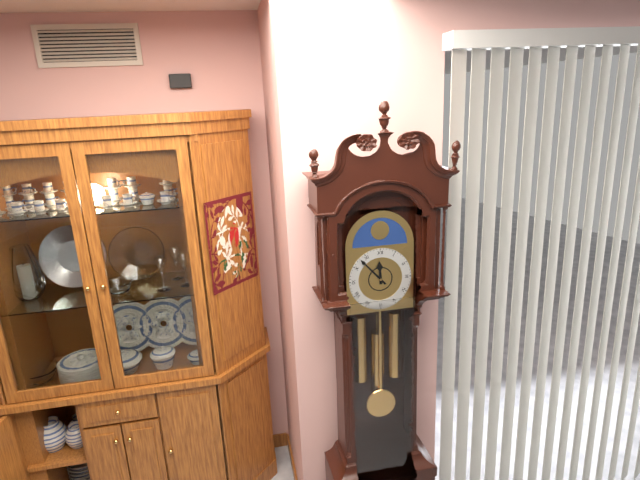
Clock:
11 h 53 min
